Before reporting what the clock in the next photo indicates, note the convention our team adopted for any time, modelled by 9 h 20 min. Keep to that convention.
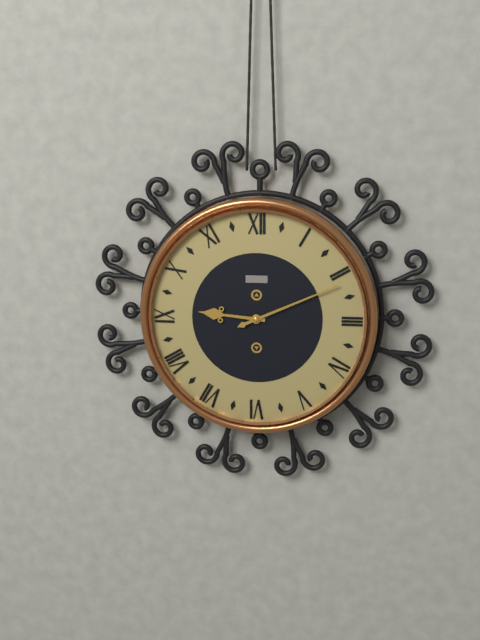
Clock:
9 h 11 min
